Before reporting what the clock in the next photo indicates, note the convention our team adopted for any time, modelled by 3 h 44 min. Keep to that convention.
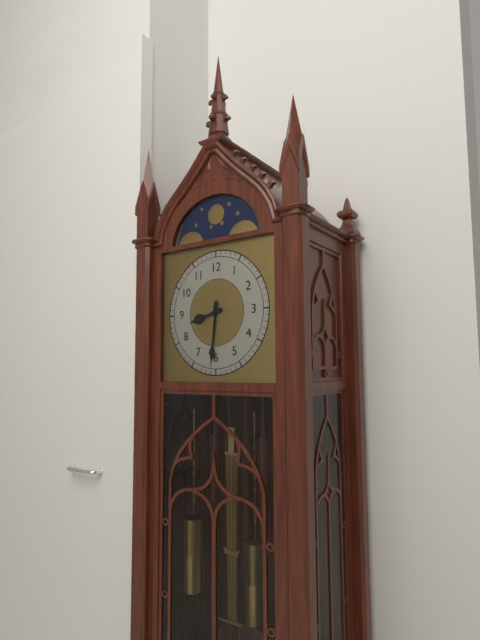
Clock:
8 h 31 min
